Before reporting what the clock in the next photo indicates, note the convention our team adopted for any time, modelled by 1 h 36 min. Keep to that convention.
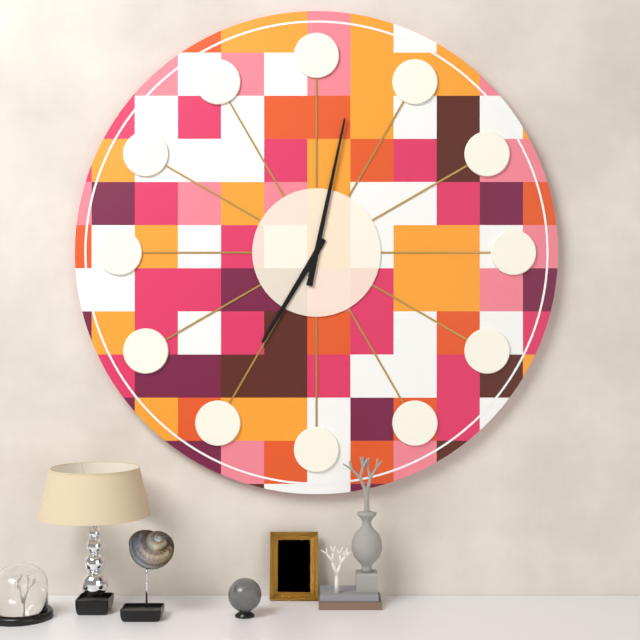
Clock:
7 h 02 min
